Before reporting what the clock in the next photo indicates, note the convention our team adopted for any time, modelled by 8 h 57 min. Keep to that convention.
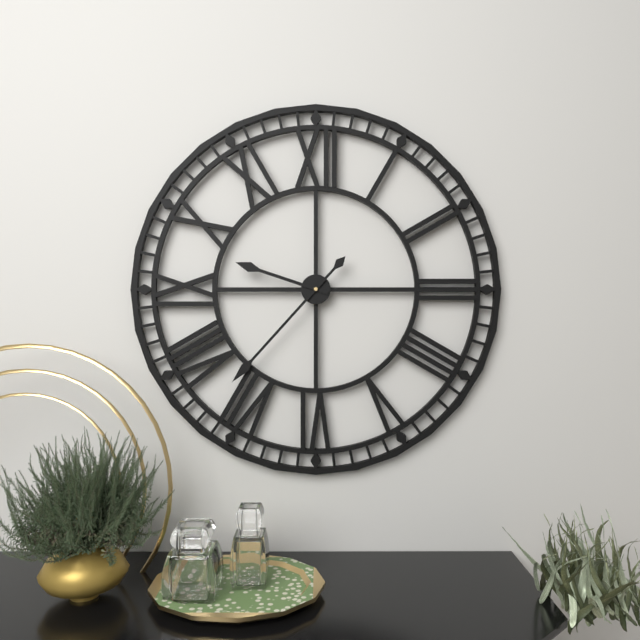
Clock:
9 h 37 min
